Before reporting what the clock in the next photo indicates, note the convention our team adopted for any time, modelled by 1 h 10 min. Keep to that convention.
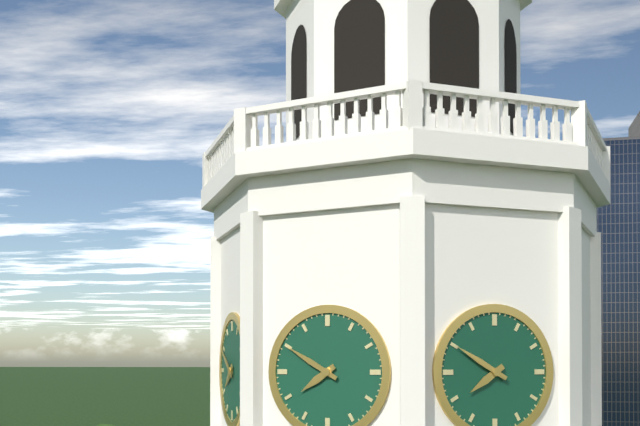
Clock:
7 h 50 min
